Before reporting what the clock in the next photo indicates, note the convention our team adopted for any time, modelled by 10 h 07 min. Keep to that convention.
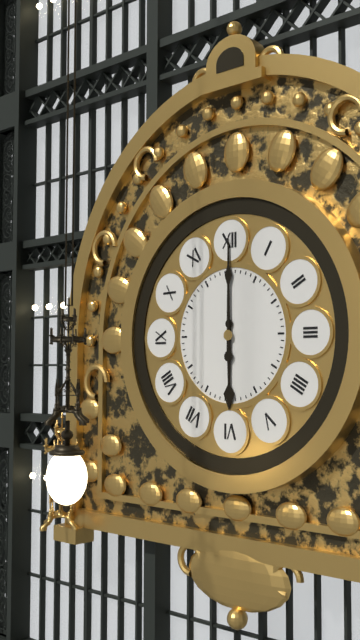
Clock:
6 h 00 min
